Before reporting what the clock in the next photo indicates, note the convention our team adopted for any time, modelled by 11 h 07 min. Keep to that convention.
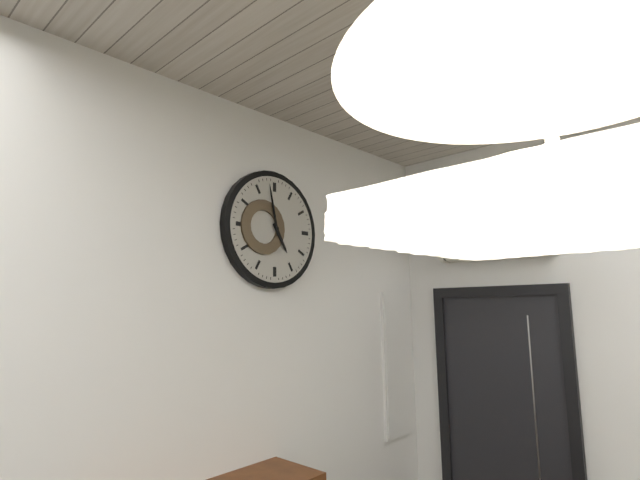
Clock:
4 h 58 min
